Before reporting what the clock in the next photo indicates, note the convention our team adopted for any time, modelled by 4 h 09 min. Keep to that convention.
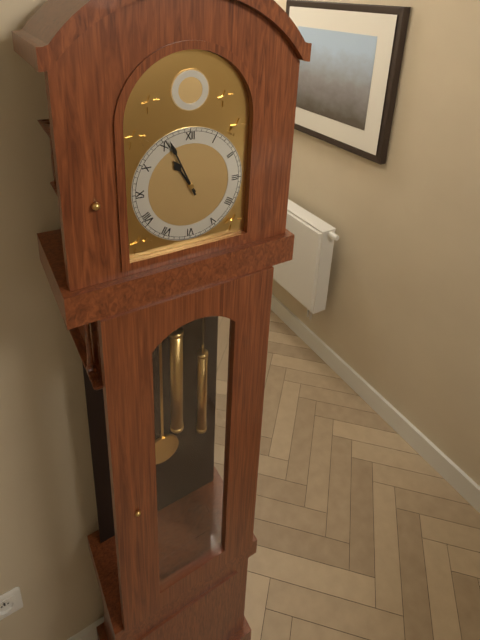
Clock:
10 h 56 min
